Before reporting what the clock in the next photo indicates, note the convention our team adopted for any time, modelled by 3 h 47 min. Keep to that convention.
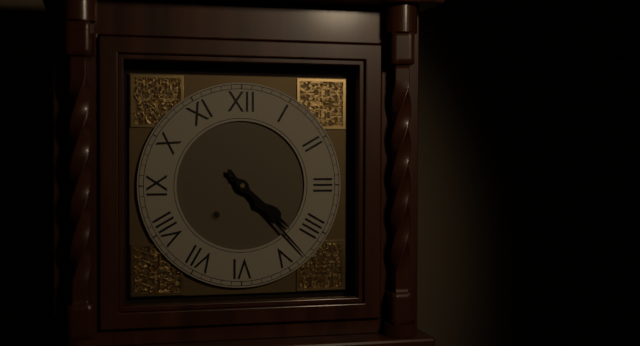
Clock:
4 h 23 min
